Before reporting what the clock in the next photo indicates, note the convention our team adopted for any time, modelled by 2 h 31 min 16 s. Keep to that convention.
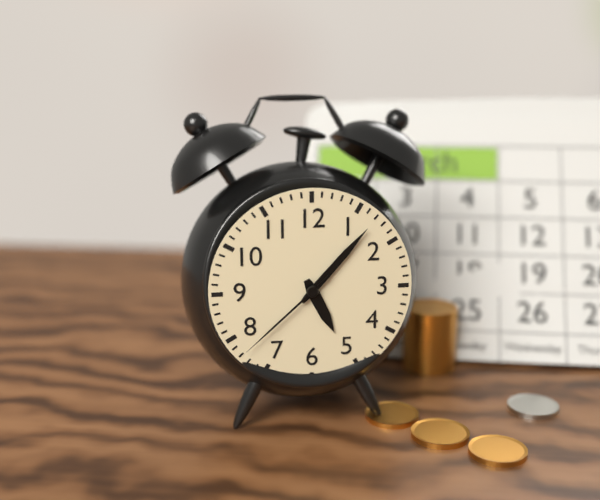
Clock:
5 h 07 min 38 s
